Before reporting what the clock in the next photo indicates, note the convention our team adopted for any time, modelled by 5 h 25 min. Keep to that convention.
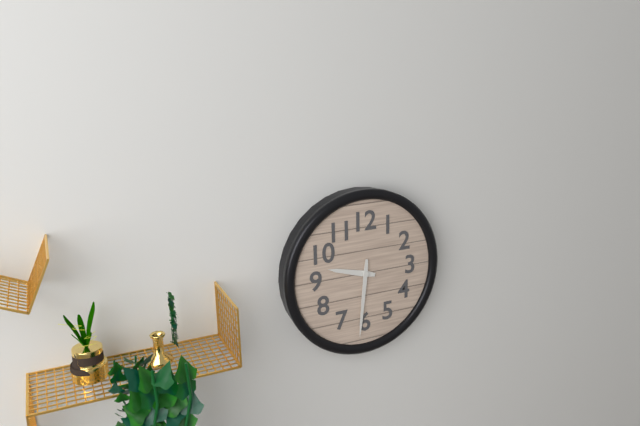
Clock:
9 h 31 min
